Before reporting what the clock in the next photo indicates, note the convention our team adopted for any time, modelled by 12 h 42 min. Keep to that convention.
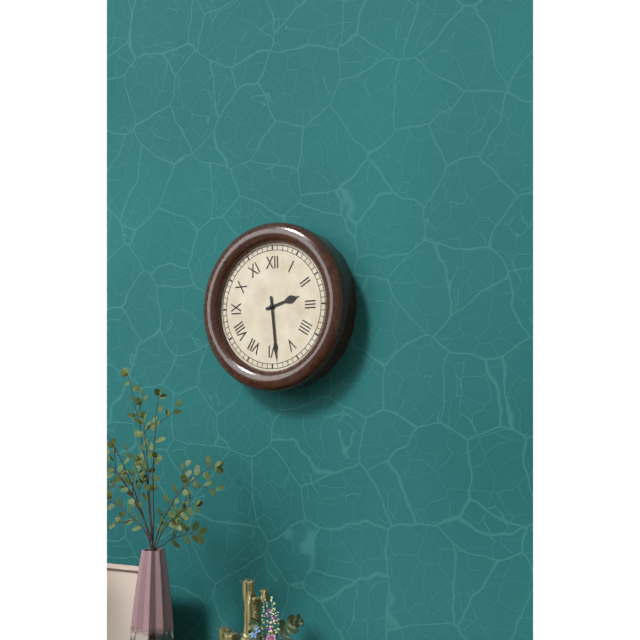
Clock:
2 h 29 min
